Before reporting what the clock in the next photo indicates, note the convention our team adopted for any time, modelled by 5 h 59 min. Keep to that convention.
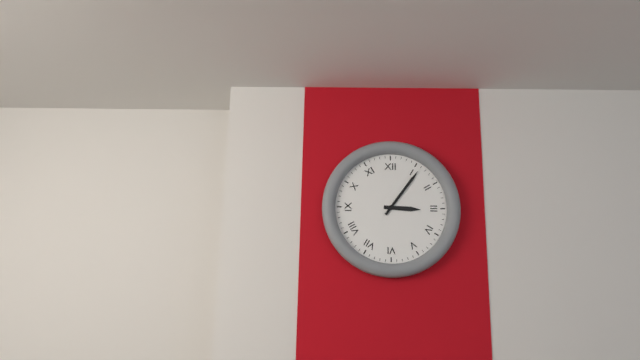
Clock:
3 h 06 min
